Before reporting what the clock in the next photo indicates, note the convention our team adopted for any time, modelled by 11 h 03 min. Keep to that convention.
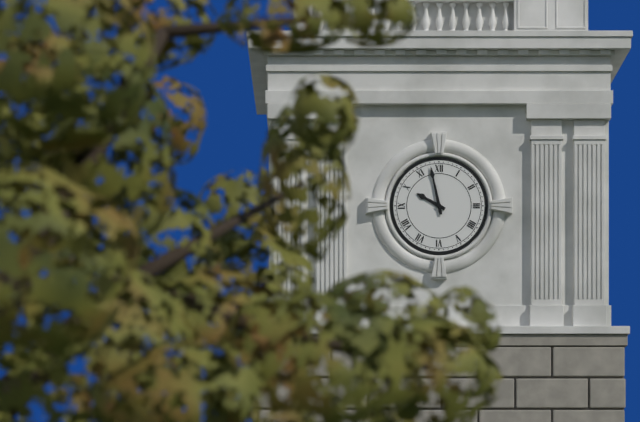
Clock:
9 h 58 min
